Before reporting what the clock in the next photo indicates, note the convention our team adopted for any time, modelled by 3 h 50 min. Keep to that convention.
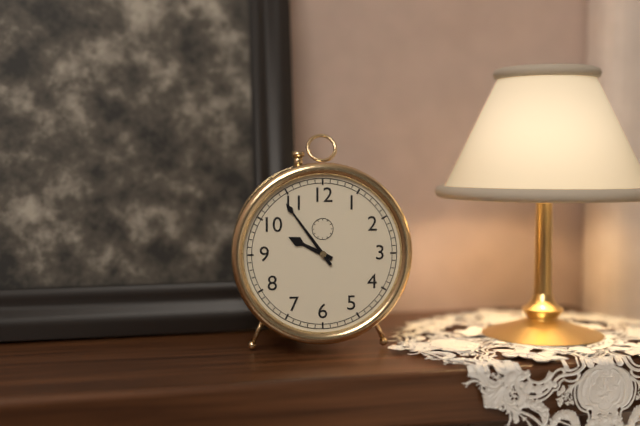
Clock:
9 h 54 min
